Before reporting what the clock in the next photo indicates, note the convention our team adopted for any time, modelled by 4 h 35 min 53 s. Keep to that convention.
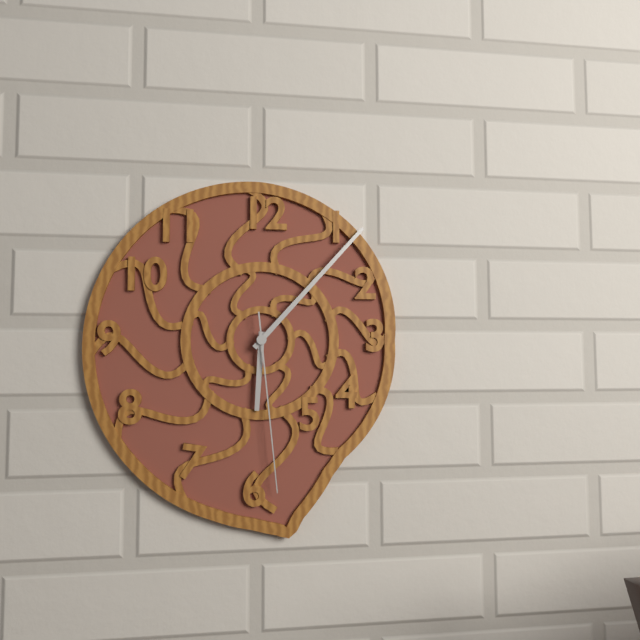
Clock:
6 h 07 min 29 s
